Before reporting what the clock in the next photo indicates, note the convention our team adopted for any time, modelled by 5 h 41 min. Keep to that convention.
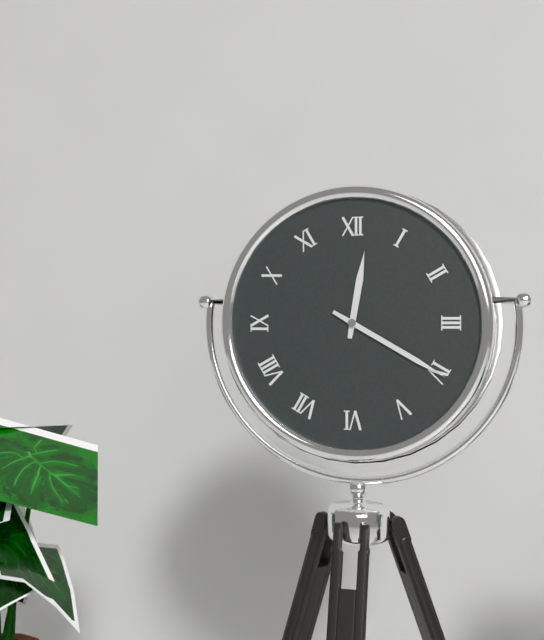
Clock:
12 h 20 min
